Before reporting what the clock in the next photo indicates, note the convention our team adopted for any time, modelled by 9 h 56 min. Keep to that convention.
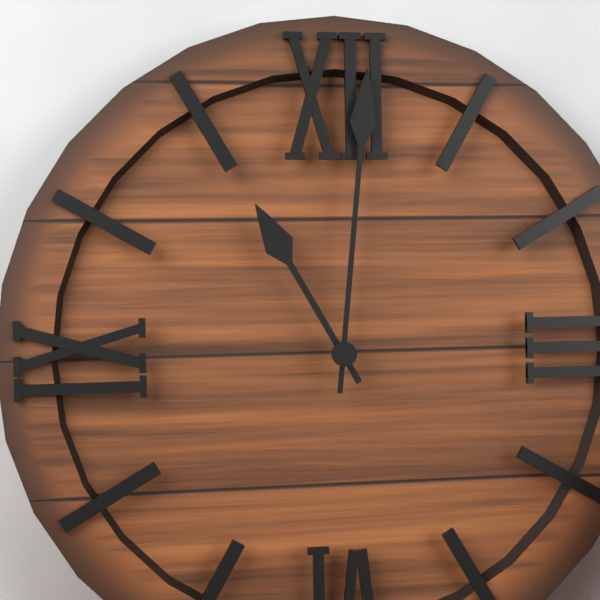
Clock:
11 h 01 min
